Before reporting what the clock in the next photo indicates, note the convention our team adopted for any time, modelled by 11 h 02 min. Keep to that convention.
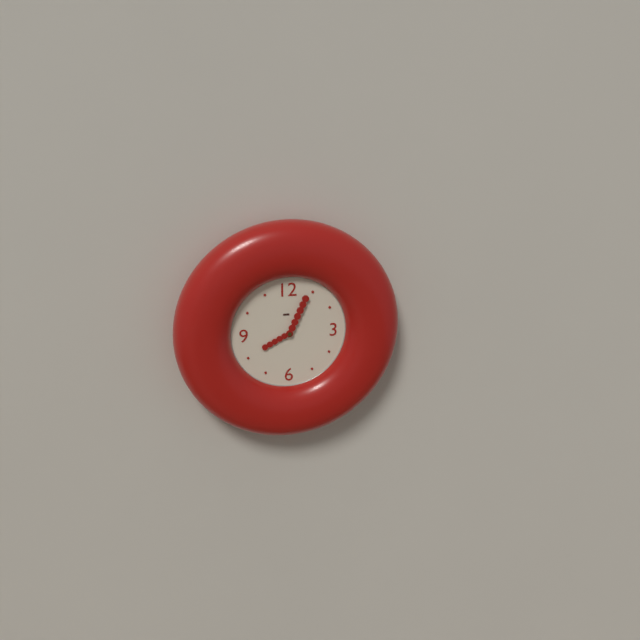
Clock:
8 h 04 min
